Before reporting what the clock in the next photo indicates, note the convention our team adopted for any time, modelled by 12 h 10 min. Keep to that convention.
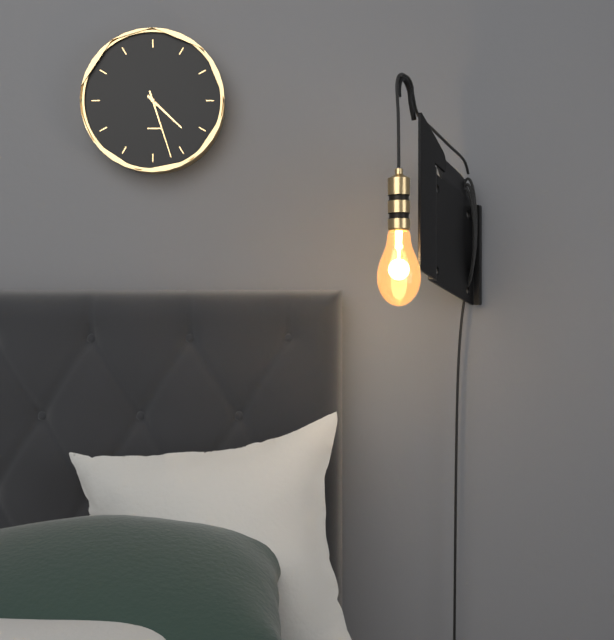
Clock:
4 h 27 min
